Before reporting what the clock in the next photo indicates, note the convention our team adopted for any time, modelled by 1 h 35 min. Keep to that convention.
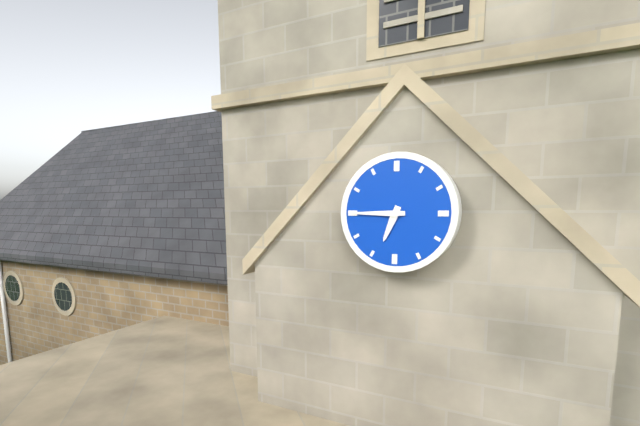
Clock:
6 h 45 min
